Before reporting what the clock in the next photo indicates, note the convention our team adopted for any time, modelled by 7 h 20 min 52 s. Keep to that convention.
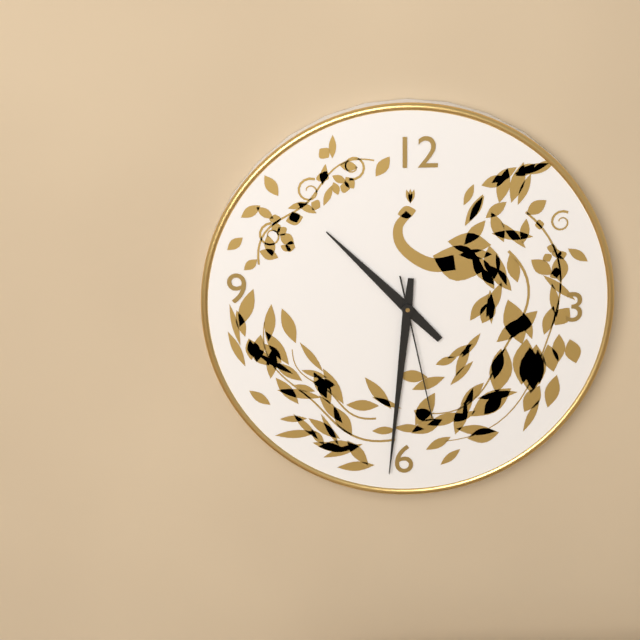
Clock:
10 h 31 min 28 s
